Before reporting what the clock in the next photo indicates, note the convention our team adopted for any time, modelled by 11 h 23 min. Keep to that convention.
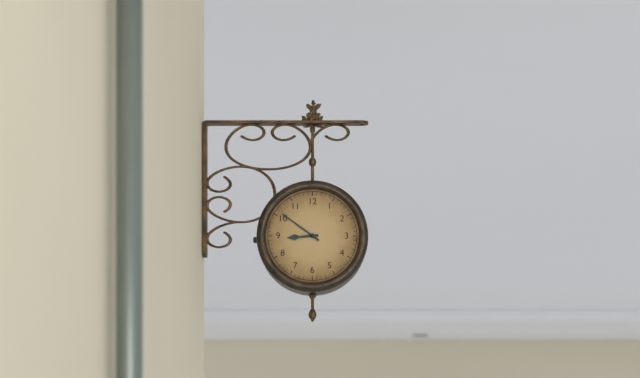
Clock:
8 h 51 min
